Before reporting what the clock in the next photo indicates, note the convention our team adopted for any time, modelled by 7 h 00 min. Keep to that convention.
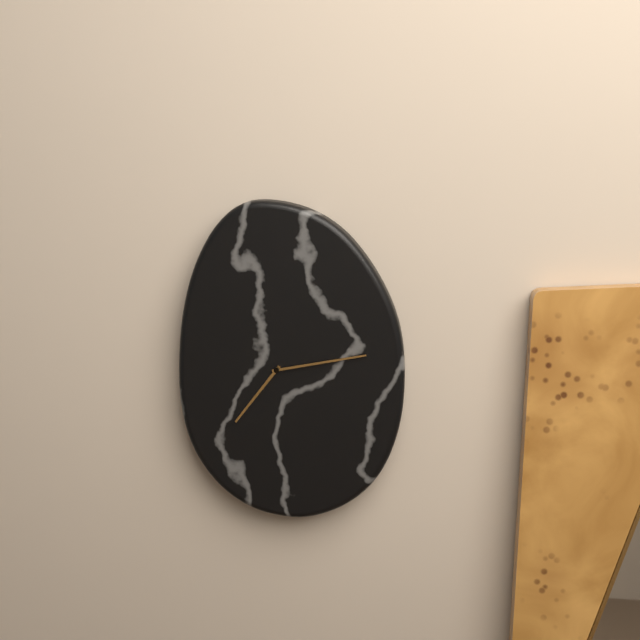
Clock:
7 h 13 min
